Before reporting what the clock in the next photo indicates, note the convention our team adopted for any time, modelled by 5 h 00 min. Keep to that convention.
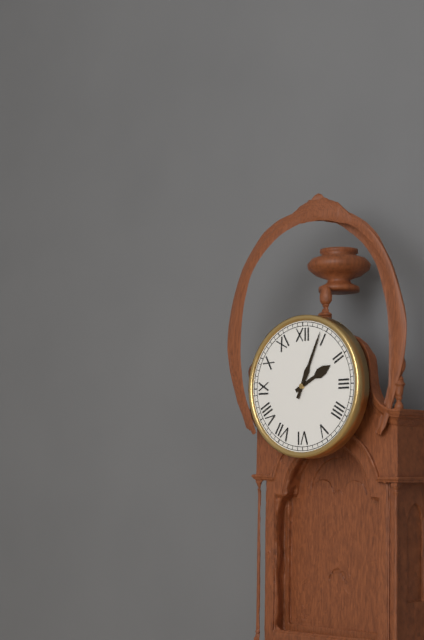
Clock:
2 h 04 min
